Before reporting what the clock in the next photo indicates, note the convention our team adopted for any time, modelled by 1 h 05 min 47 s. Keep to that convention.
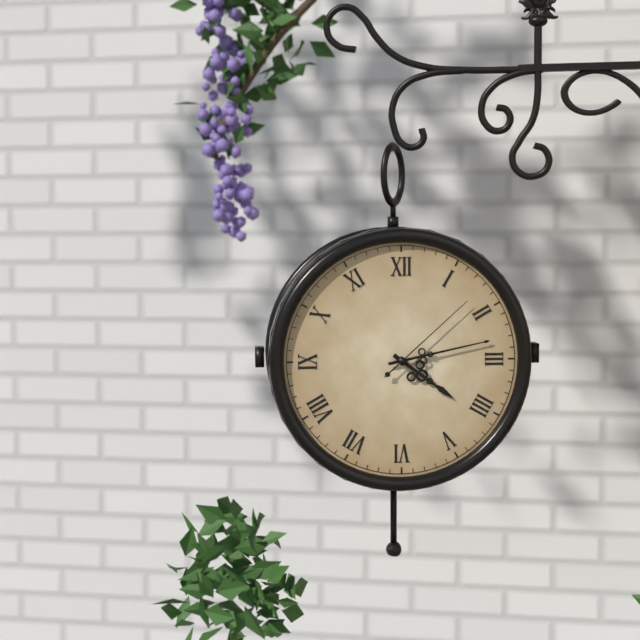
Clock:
4 h 13 min 08 s
